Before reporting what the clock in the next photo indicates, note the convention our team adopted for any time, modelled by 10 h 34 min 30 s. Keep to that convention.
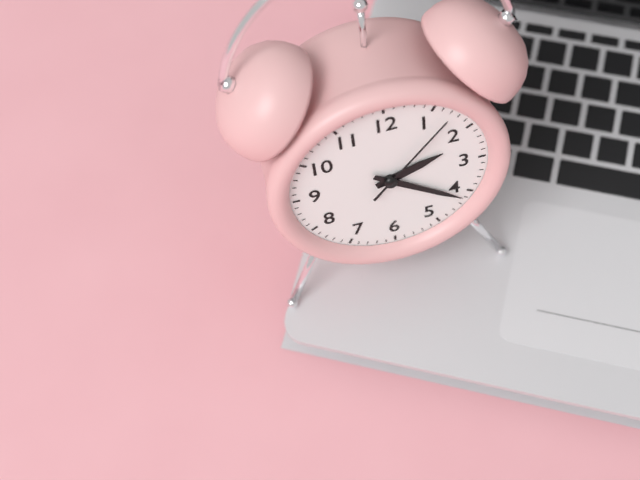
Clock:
2 h 21 min 07 s
